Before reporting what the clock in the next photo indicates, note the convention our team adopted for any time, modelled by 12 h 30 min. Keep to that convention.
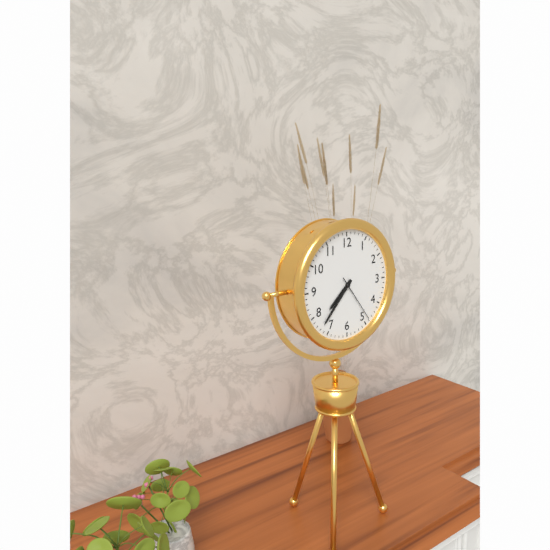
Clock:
7 h 37 min
